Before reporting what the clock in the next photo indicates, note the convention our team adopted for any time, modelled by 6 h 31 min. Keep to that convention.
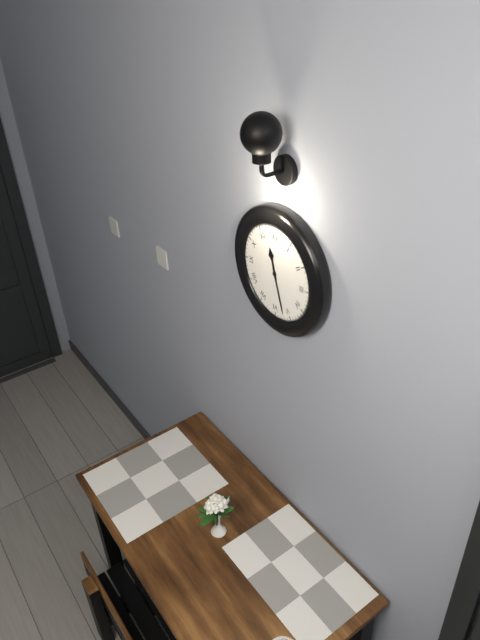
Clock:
11 h 27 min
